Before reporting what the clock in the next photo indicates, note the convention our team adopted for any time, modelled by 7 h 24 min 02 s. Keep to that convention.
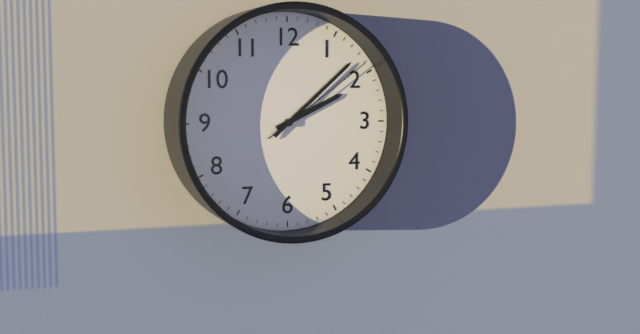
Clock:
2 h 08 min 09 s
